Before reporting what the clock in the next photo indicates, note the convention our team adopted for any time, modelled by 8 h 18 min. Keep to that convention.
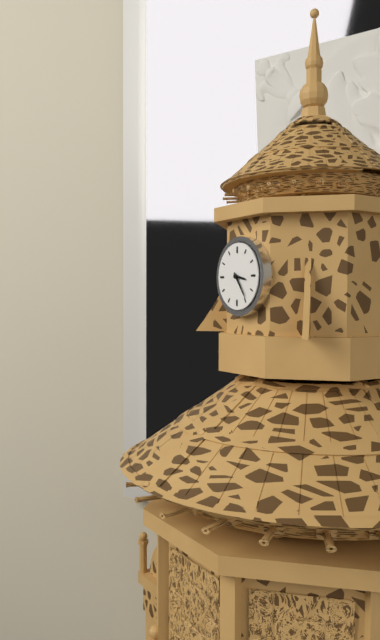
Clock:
3 h 24 min
